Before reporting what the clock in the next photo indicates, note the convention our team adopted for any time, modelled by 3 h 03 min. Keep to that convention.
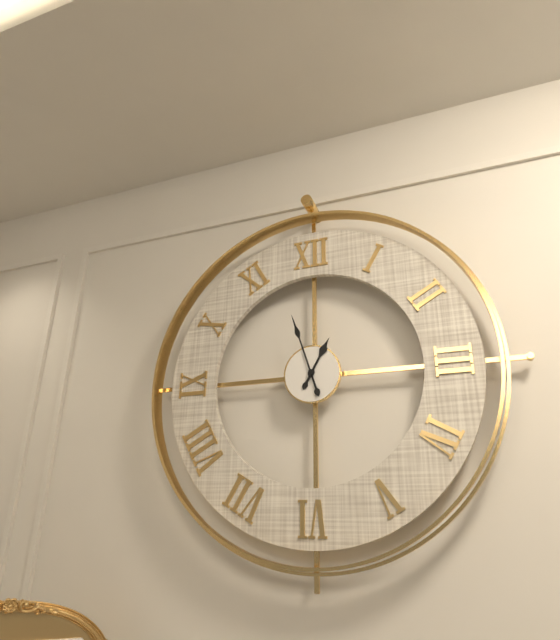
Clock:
12 h 57 min
